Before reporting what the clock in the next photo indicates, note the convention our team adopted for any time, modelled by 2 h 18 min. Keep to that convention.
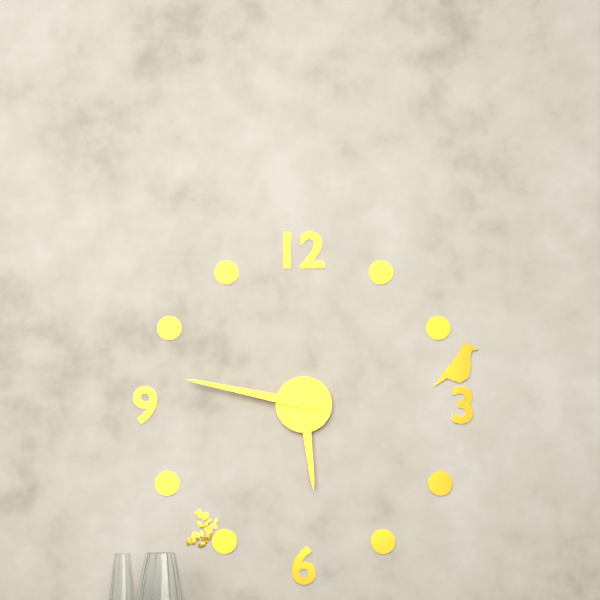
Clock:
5 h 47 min
